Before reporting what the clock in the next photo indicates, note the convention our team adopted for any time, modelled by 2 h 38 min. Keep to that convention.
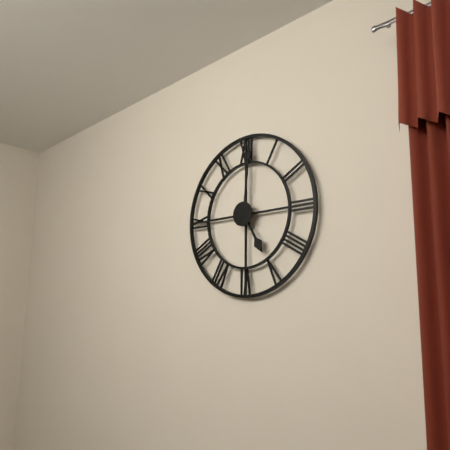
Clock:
5 h 01 min
